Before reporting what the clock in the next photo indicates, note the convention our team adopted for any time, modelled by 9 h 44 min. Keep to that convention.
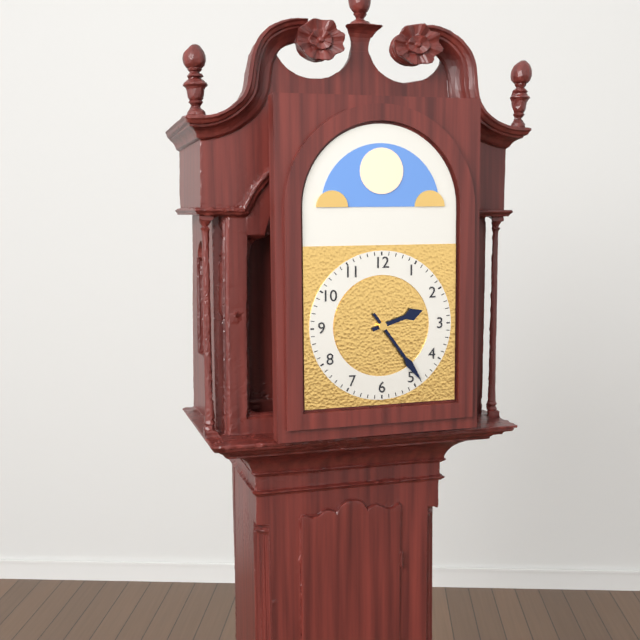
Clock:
2 h 24 min
